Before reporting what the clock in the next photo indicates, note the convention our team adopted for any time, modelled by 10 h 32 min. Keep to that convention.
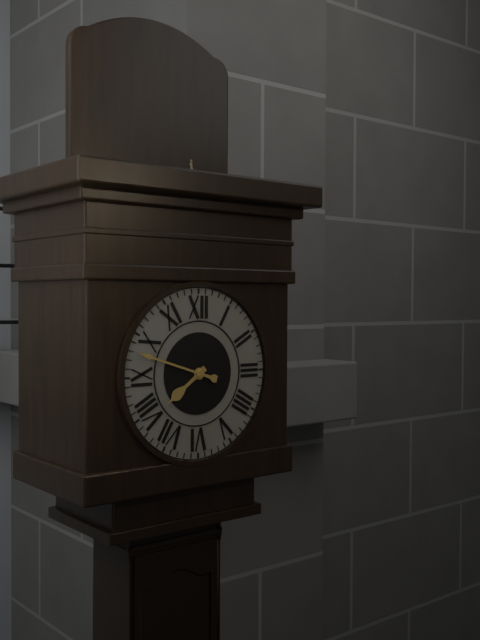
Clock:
7 h 48 min
